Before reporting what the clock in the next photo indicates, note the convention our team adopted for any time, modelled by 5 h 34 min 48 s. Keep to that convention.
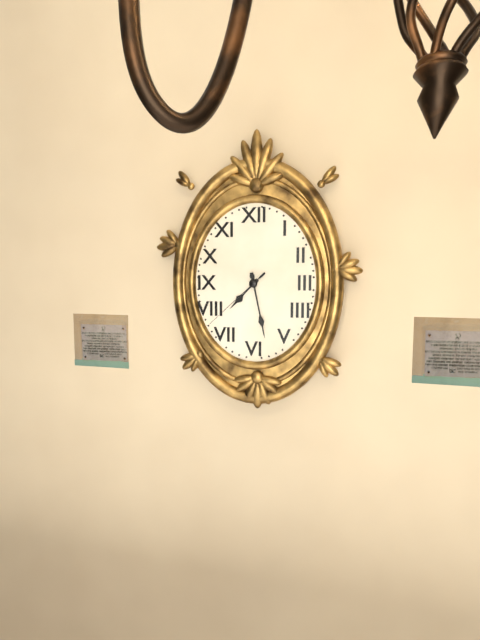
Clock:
7 h 28 min 38 s
